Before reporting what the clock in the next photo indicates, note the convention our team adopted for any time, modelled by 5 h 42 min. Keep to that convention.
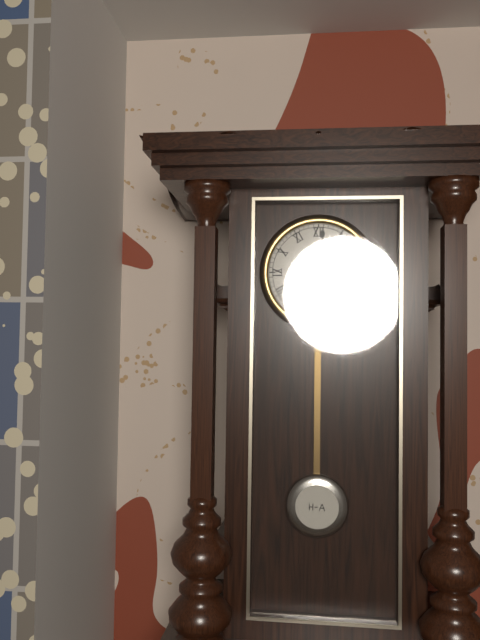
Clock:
6 h 01 min
